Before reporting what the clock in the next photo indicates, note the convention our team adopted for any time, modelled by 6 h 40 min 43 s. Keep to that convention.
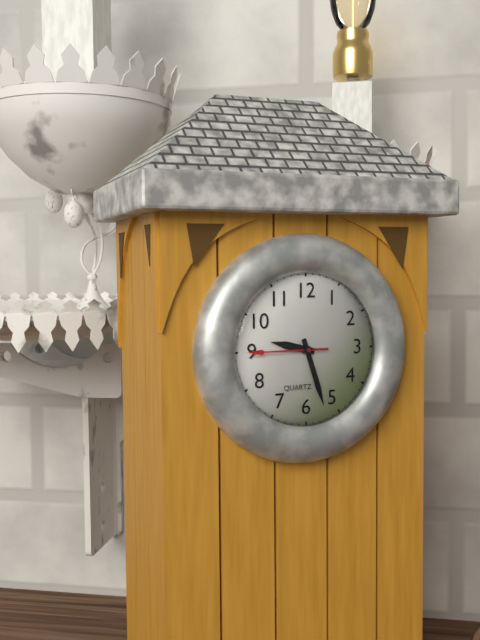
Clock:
9 h 27 min 45 s
